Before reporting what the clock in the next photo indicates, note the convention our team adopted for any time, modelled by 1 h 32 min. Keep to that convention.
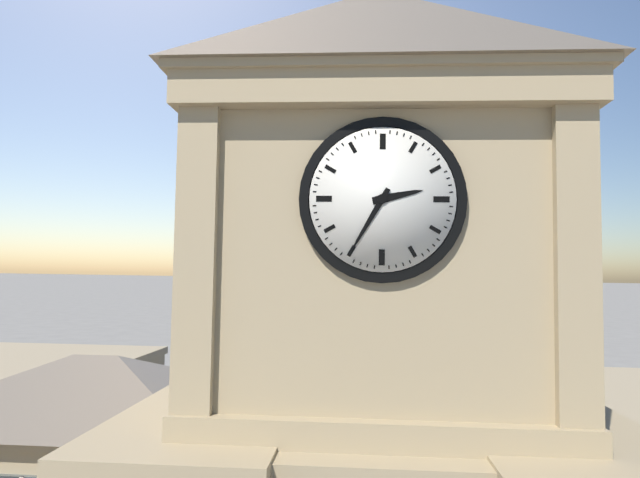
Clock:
2 h 35 min
